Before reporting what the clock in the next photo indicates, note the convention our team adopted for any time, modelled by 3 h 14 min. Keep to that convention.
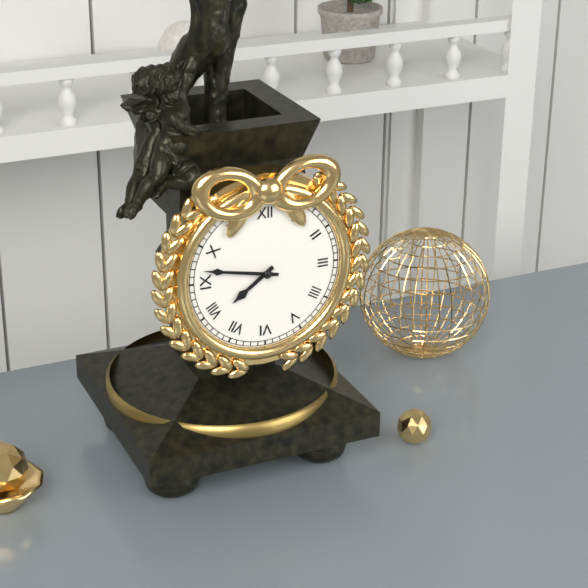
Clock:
7 h 47 min
